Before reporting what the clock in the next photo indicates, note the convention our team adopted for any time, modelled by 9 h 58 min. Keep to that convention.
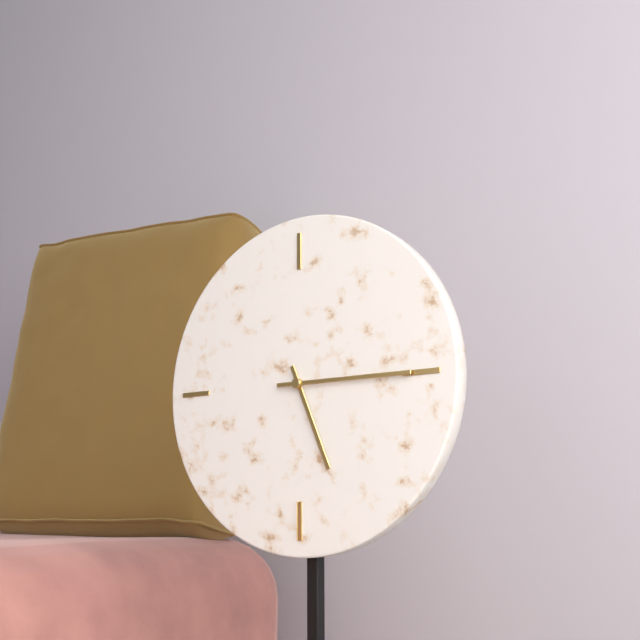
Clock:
5 h 15 min
